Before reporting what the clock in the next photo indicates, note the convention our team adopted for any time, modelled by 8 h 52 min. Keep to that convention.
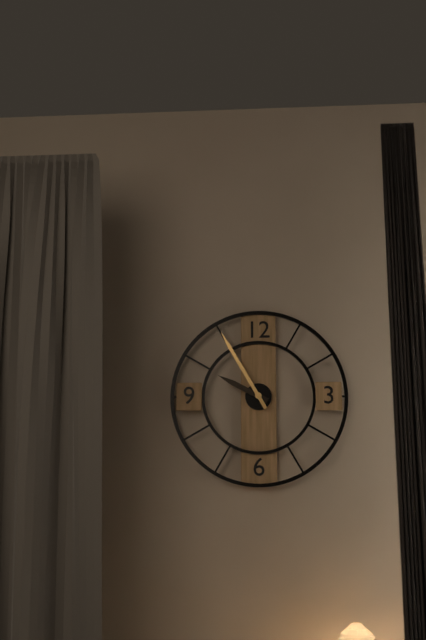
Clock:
9 h 55 min
